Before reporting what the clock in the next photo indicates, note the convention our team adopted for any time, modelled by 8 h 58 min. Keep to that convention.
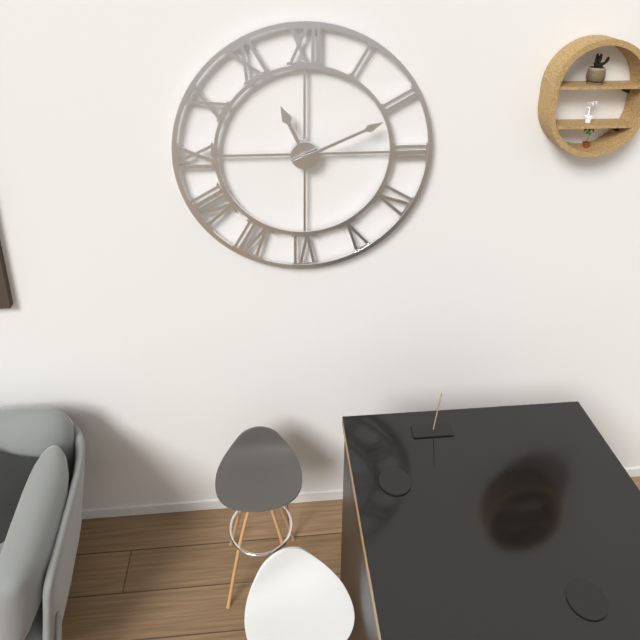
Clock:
11 h 11 min
